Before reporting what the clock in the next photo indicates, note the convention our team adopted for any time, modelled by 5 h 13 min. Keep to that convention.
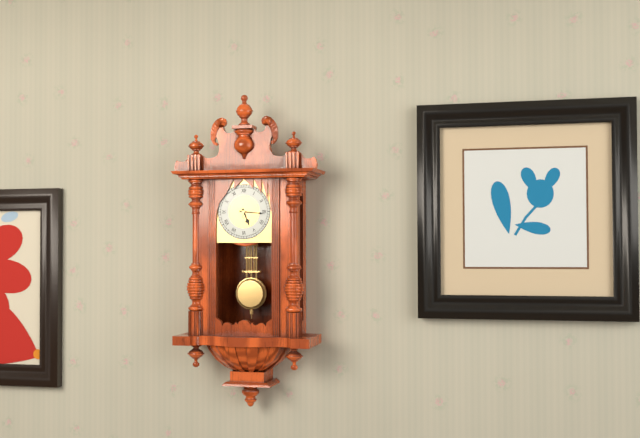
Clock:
5 h 16 min
